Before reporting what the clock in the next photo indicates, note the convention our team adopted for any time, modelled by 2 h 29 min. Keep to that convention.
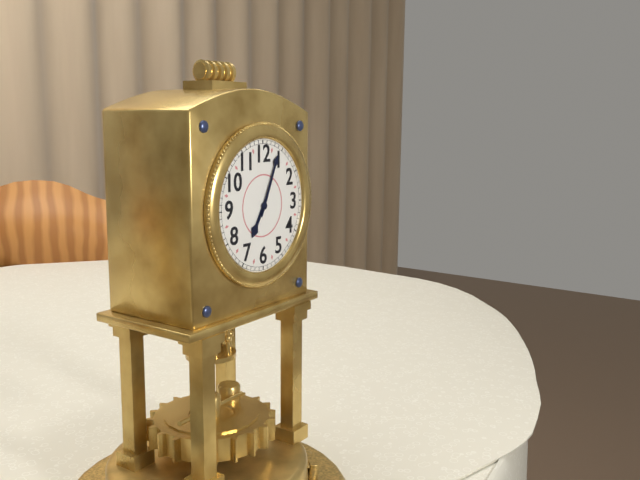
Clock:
7 h 04 min
